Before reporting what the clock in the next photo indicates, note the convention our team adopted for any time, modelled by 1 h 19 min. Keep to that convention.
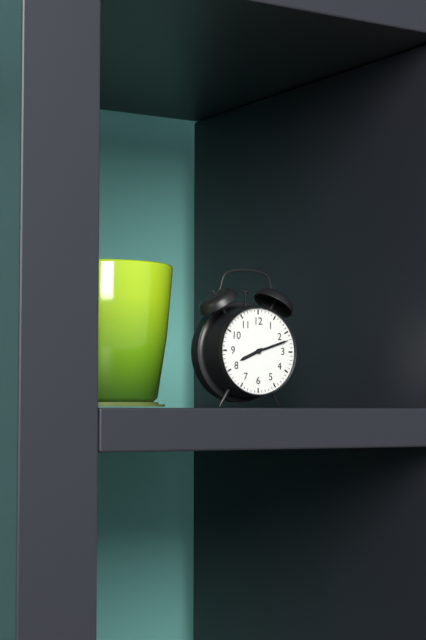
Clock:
8 h 12 min
